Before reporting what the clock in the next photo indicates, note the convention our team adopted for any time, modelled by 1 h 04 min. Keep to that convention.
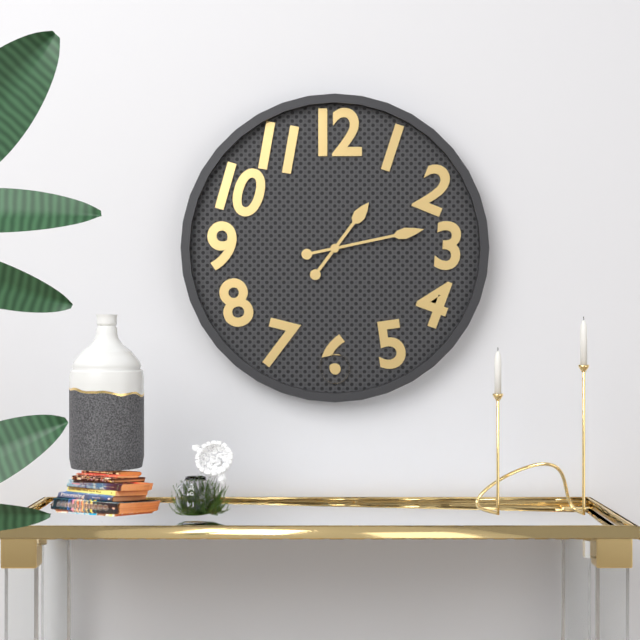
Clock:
1 h 13 min
